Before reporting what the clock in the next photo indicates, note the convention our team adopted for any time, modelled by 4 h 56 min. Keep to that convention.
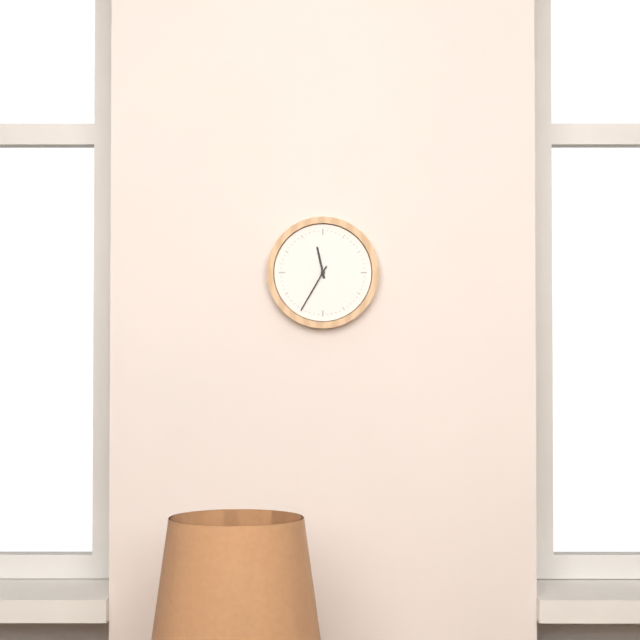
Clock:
11 h 35 min
